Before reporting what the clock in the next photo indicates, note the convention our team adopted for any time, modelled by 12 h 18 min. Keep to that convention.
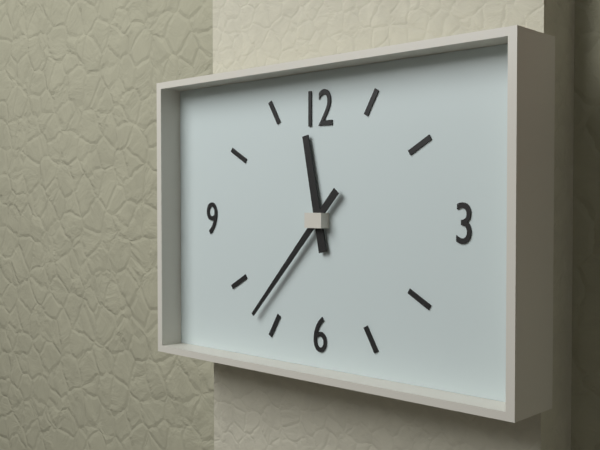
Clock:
11 h 37 min
